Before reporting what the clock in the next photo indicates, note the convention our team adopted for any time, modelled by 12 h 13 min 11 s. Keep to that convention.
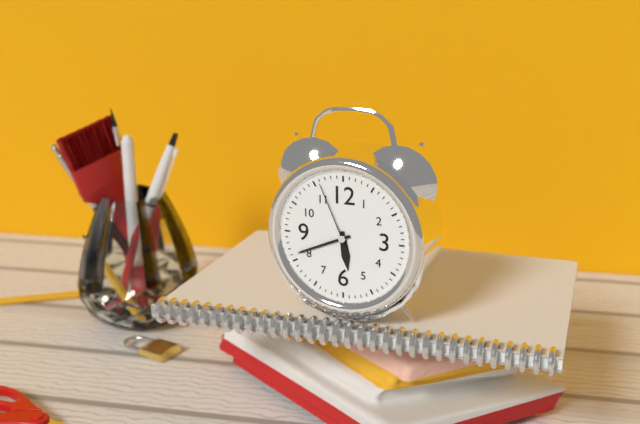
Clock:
5 h 41 min 56 s
